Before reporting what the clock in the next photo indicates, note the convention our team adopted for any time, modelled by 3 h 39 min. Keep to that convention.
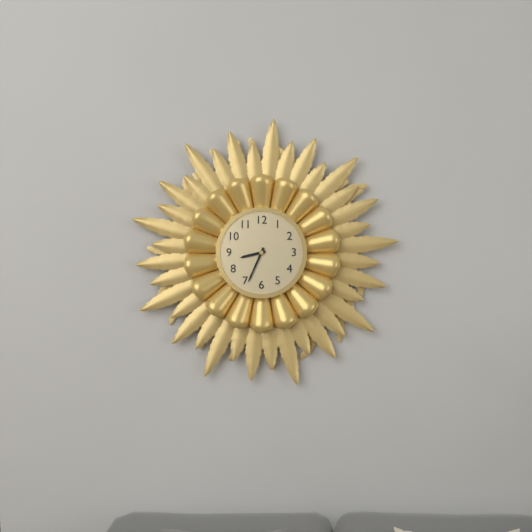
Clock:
8 h 34 min
